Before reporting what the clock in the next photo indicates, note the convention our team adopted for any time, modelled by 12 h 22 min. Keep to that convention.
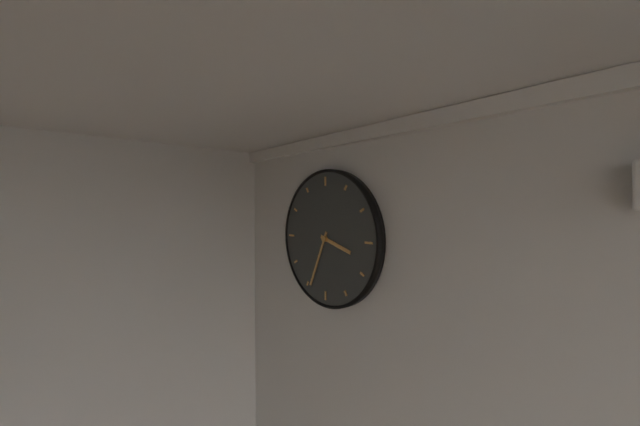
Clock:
3 h 34 min
